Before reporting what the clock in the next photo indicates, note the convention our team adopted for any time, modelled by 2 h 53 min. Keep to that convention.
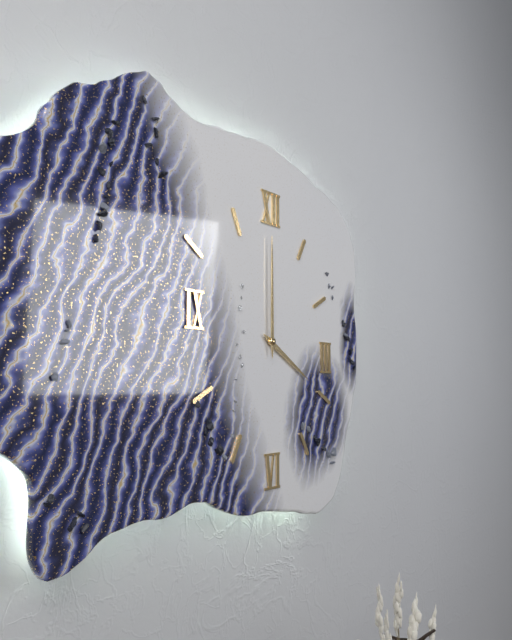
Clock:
4 h 00 min
